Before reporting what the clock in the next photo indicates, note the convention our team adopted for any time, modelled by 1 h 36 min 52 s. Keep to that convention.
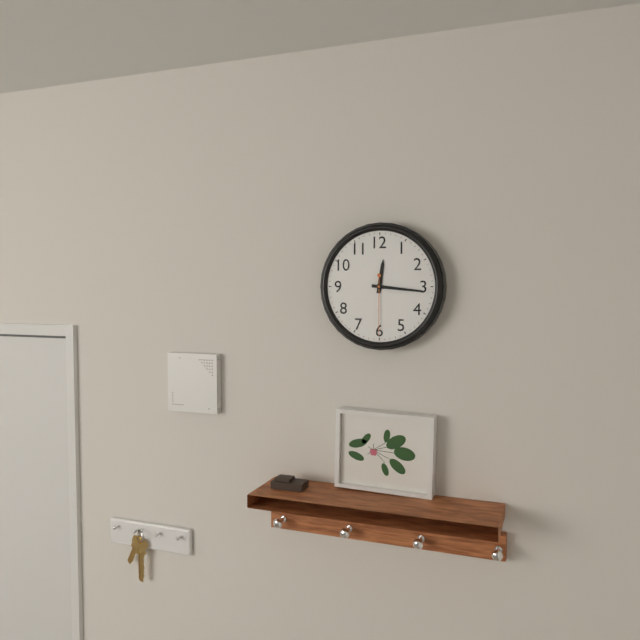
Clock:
12 h 16 min 30 s
